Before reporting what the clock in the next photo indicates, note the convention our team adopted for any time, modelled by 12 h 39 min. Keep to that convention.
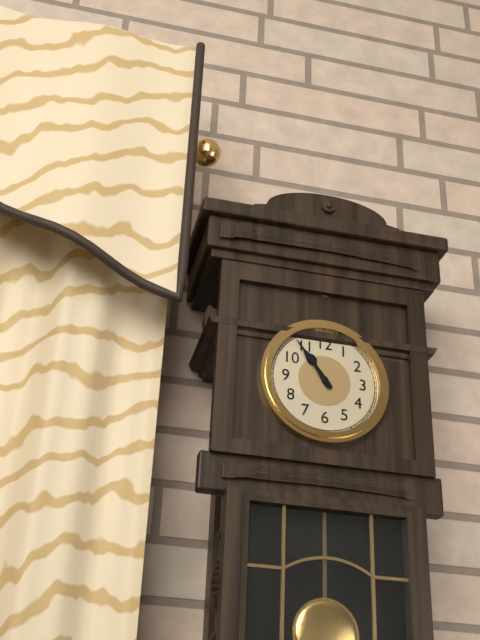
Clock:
10 h 54 min
